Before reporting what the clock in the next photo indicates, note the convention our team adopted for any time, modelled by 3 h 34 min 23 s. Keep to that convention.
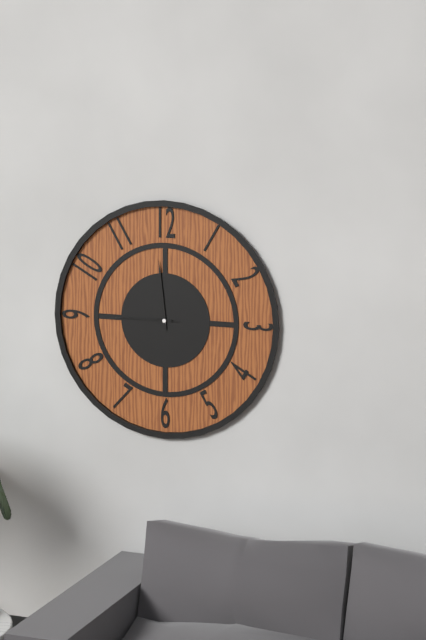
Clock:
8 h 59 min 45 s
